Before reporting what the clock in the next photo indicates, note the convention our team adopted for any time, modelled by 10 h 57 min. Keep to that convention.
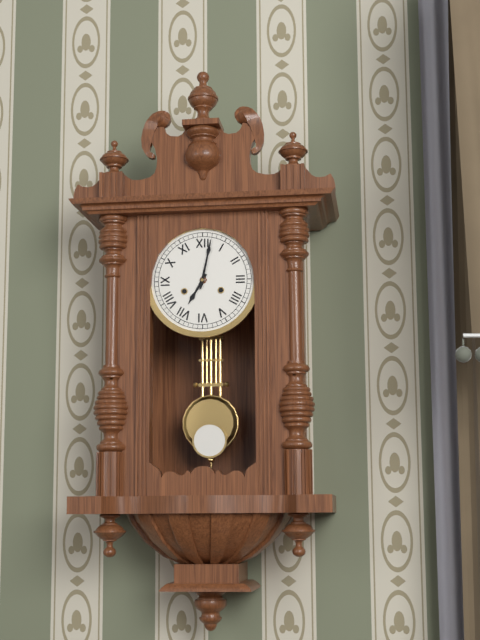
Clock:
7 h 02 min
